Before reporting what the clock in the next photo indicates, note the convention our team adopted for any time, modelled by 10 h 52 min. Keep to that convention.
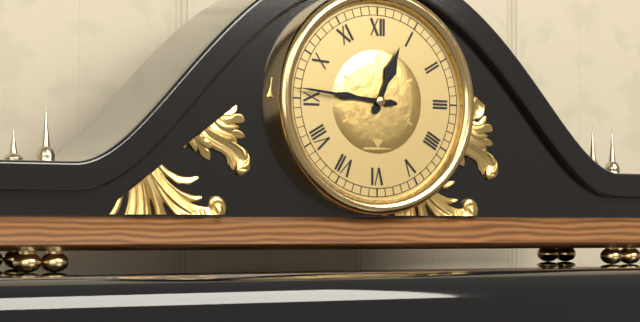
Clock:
12 h 46 min
